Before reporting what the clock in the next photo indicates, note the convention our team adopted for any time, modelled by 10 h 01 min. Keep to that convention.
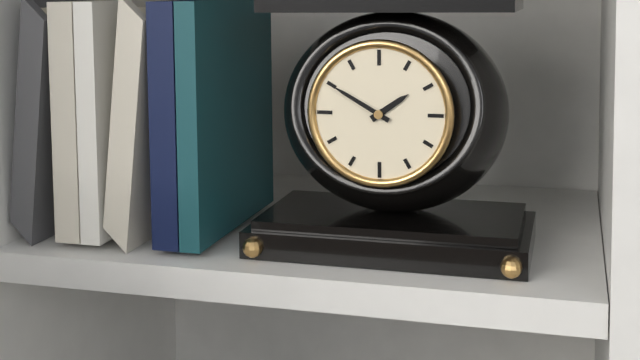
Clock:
1 h 50 min
